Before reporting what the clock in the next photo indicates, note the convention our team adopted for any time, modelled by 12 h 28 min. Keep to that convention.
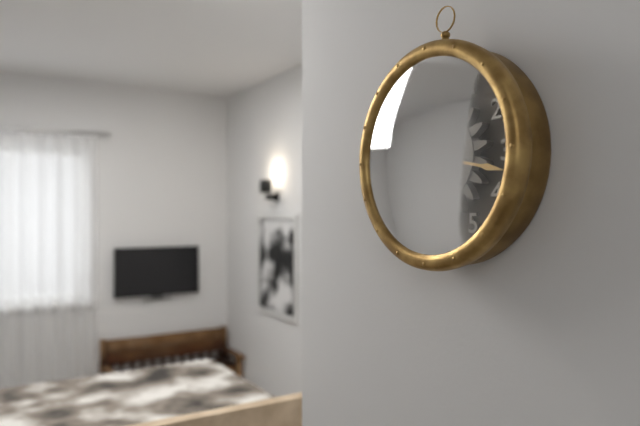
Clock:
11 h 17 min
